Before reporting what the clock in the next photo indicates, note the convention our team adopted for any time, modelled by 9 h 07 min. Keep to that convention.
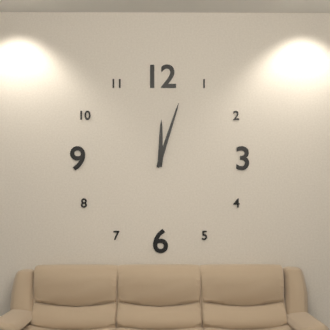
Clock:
12 h 03 min
